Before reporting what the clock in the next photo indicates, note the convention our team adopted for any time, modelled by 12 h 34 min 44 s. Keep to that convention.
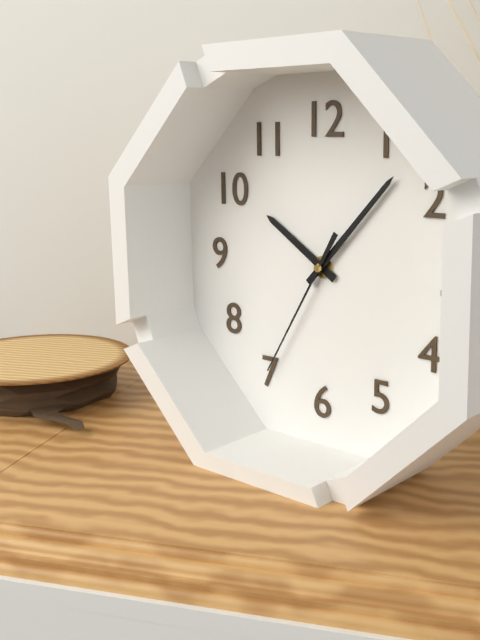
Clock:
10 h 07 min 35 s
